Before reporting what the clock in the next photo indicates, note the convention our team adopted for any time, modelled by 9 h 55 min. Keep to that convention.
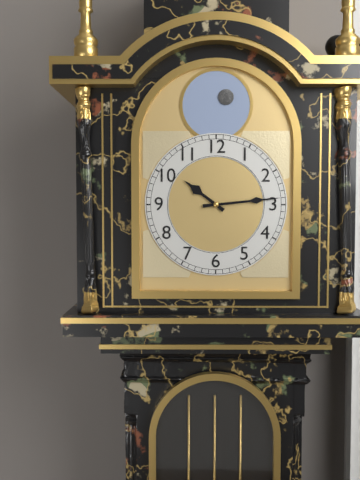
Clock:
10 h 14 min
